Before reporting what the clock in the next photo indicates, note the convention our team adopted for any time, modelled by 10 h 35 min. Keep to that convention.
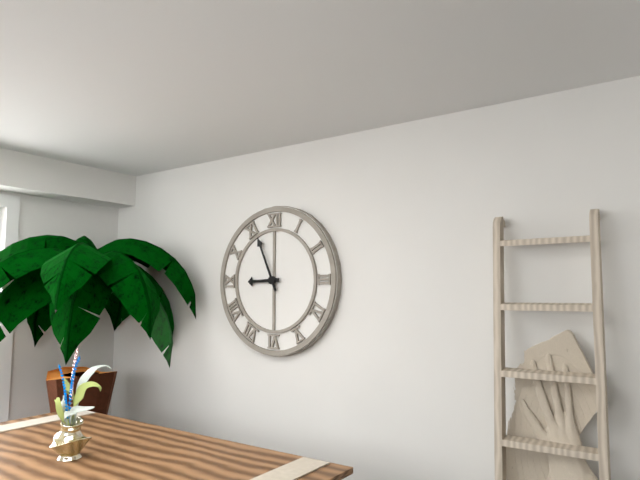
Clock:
8 h 56 min
